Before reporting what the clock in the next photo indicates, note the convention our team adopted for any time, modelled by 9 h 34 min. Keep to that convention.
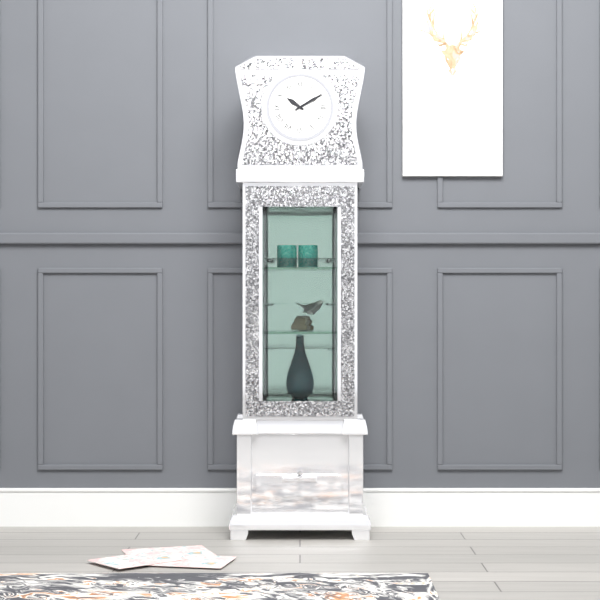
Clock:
10 h 10 min
